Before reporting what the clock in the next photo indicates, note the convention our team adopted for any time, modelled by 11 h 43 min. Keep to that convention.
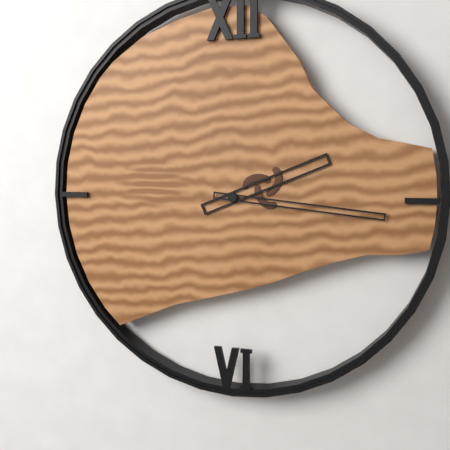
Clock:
2 h 16 min
